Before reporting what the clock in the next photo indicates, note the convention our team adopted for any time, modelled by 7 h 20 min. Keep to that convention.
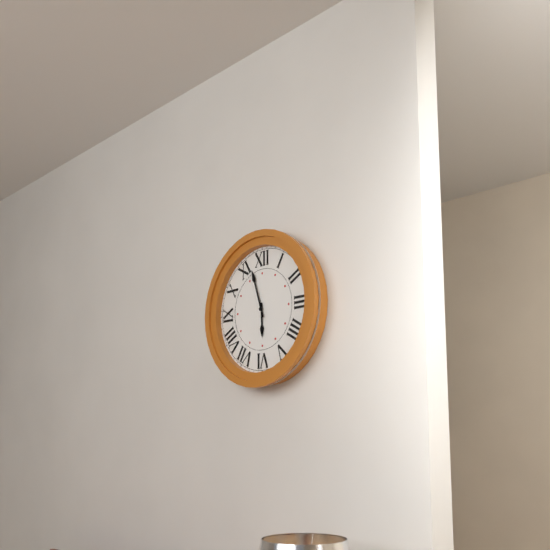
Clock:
5 h 57 min
